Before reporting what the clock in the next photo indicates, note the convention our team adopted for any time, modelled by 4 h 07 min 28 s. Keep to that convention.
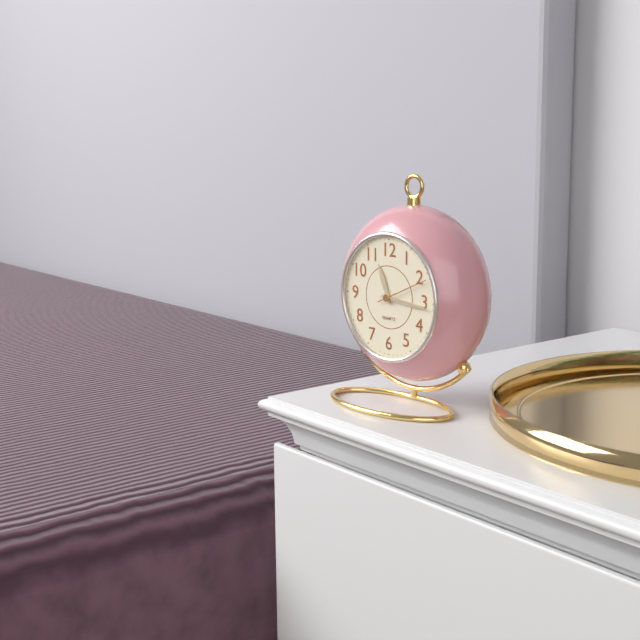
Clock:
11 h 16 min 11 s
